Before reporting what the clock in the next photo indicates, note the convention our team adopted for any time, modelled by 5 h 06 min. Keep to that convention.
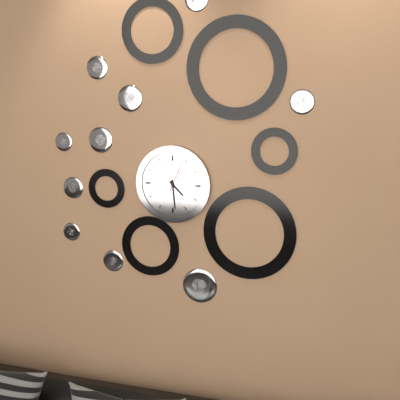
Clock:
4 h 29 min
